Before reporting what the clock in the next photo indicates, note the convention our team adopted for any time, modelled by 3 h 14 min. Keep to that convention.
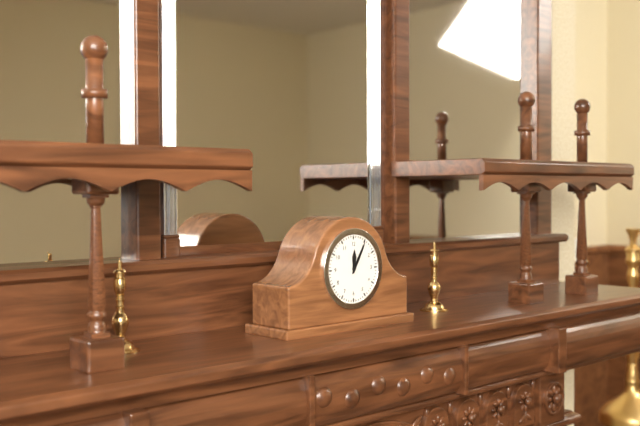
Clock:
12 h 05 min
